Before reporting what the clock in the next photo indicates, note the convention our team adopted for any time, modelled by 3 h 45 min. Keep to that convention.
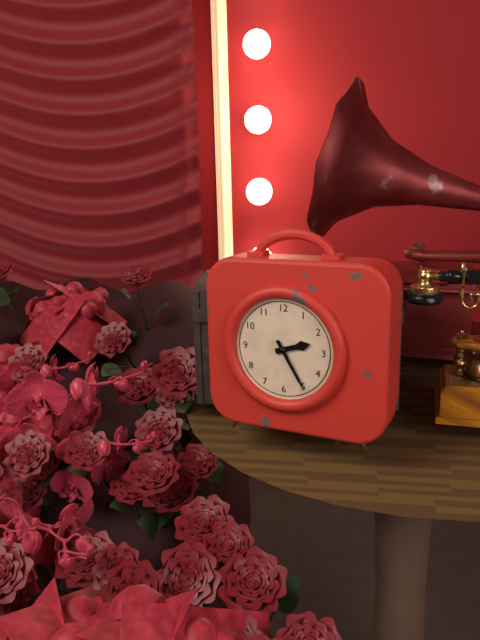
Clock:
2 h 25 min
